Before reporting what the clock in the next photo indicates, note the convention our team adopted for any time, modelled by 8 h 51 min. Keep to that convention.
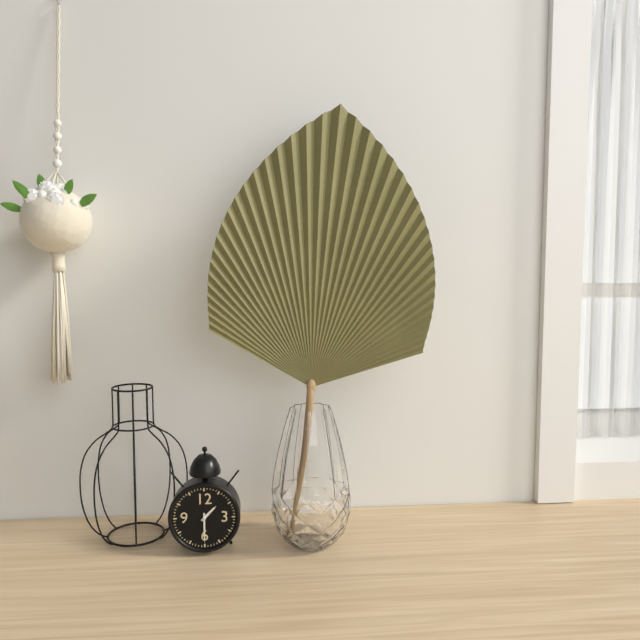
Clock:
1 h 30 min
